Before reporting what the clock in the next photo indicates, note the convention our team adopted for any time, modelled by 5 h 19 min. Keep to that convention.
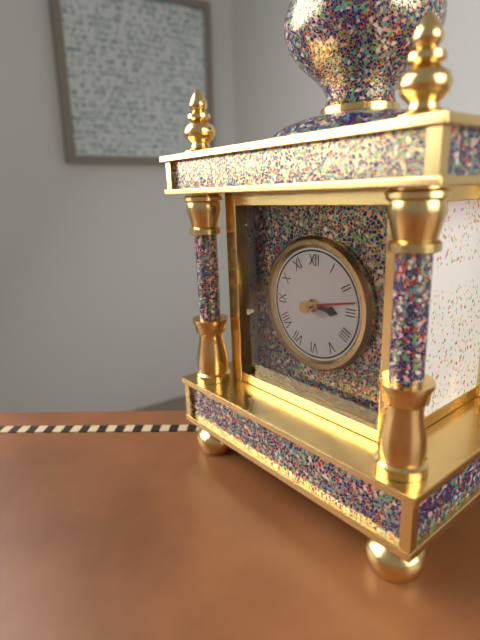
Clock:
3 h 13 min
